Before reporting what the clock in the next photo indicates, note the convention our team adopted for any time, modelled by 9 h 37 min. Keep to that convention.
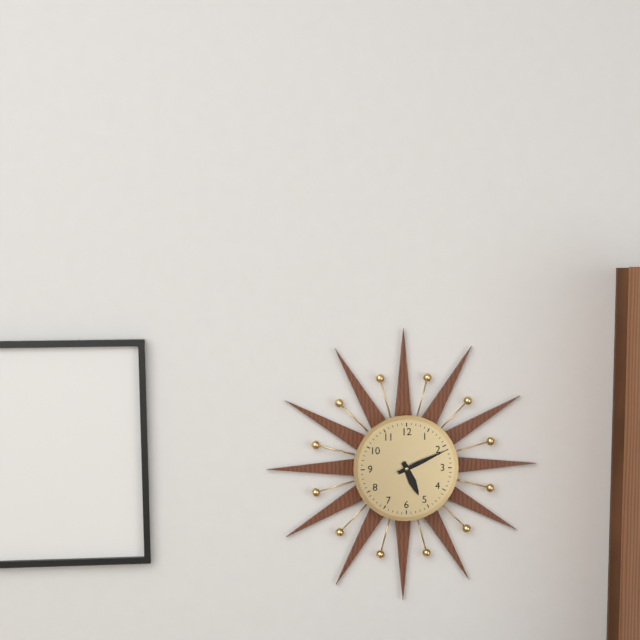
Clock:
5 h 11 min
